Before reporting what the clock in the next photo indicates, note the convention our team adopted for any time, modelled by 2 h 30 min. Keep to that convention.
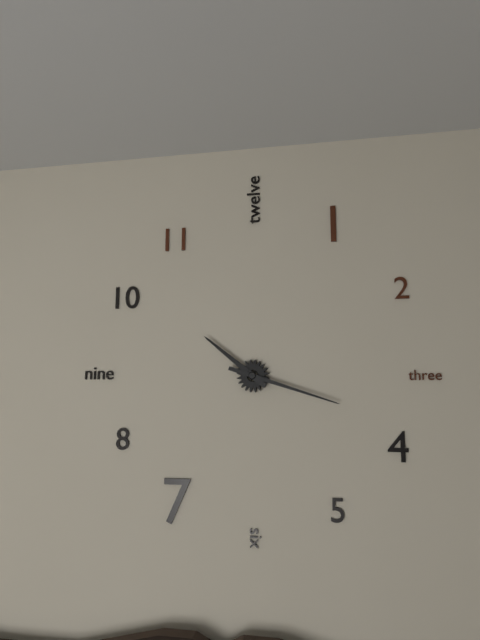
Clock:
10 h 18 min
